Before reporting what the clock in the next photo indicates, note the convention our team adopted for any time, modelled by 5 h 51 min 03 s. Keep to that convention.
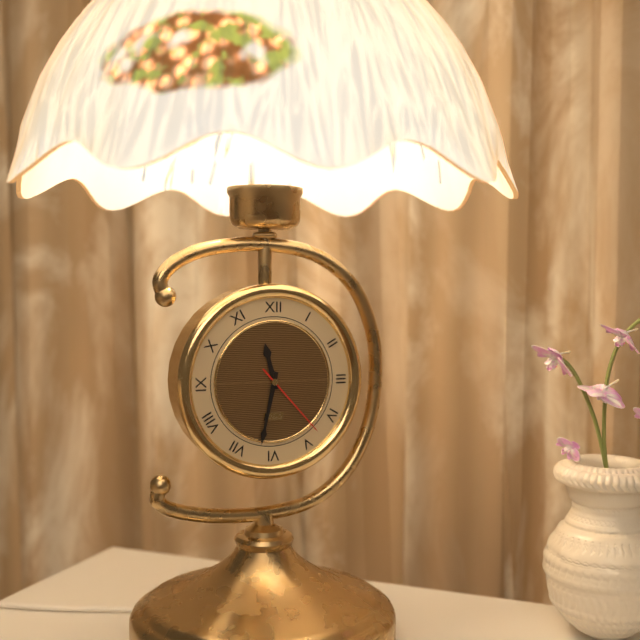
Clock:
11 h 32 min 23 s
